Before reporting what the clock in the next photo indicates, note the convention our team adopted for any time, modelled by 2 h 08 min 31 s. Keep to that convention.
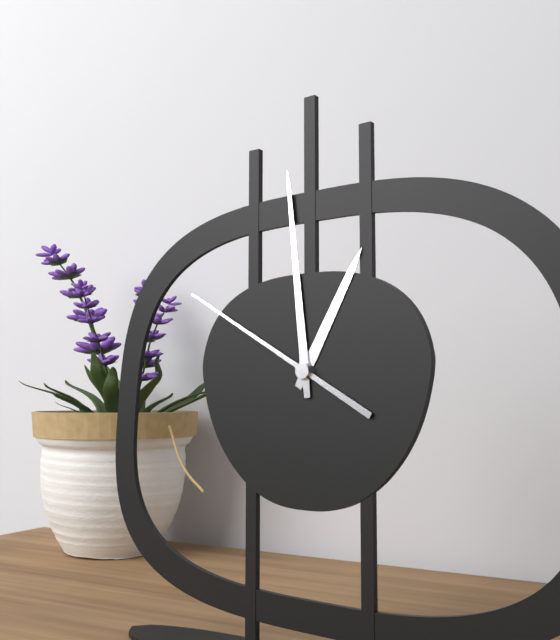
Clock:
12 h 59 min 50 s
